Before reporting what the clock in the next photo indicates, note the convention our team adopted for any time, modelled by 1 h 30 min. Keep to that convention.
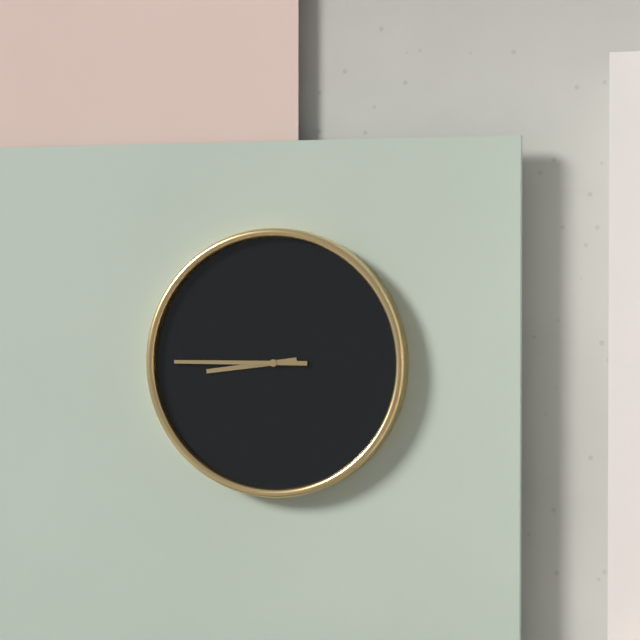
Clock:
8 h 45 min
